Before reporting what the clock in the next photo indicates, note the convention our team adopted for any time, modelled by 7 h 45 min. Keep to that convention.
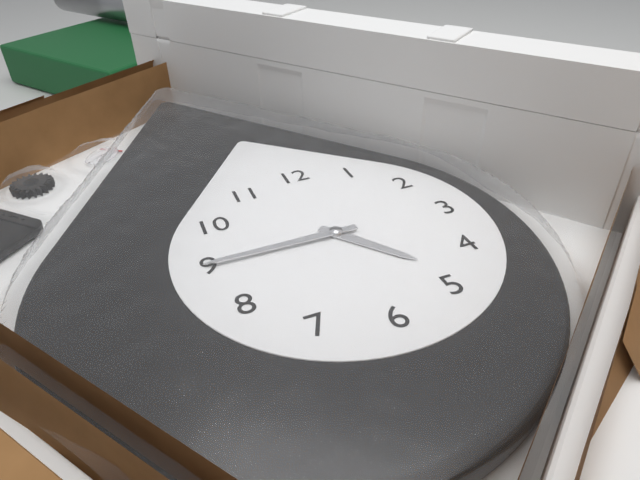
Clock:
4 h 45 min
